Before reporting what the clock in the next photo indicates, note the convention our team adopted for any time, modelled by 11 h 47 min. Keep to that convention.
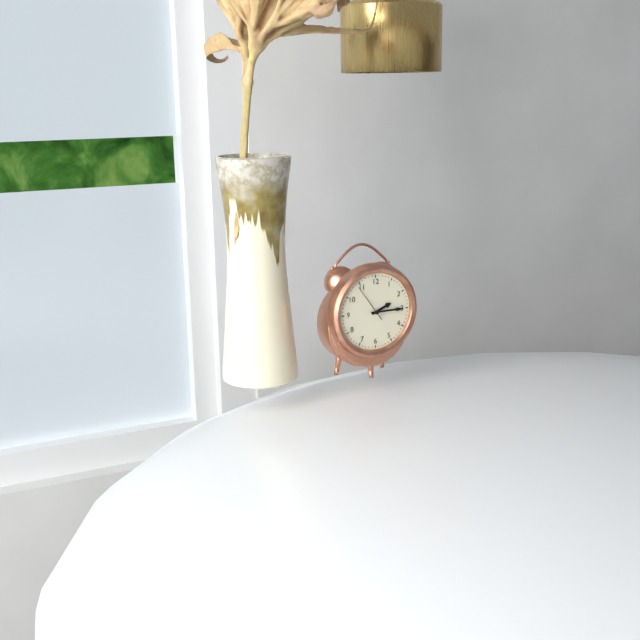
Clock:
2 h 15 min
